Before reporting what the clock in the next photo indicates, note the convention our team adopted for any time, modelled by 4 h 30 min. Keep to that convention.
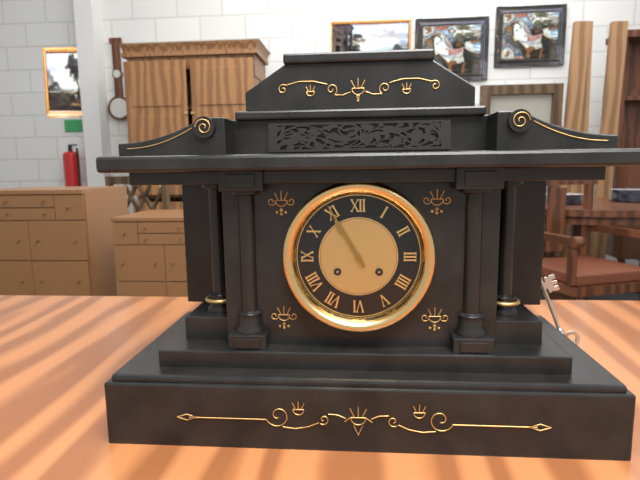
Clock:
10 h 55 min
